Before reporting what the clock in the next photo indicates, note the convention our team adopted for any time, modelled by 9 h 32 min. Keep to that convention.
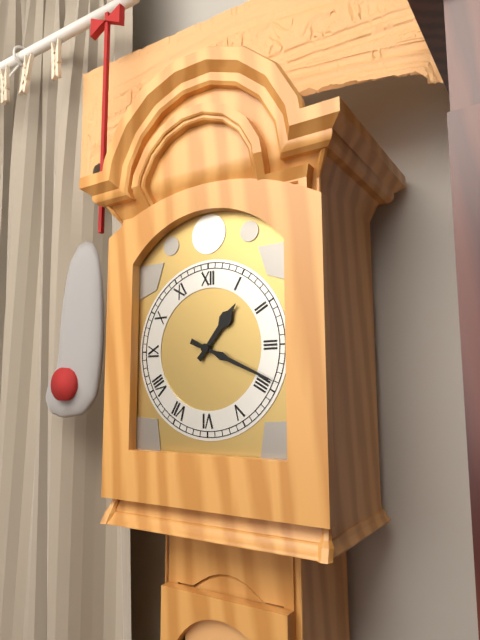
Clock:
1 h 19 min
